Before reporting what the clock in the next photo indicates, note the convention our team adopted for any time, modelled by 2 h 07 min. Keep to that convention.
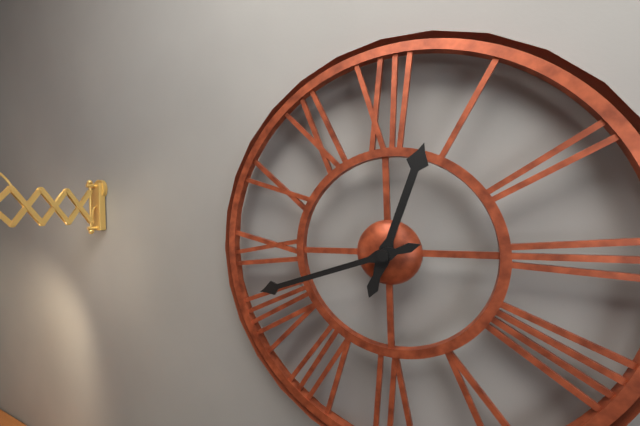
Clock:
12 h 42 min
